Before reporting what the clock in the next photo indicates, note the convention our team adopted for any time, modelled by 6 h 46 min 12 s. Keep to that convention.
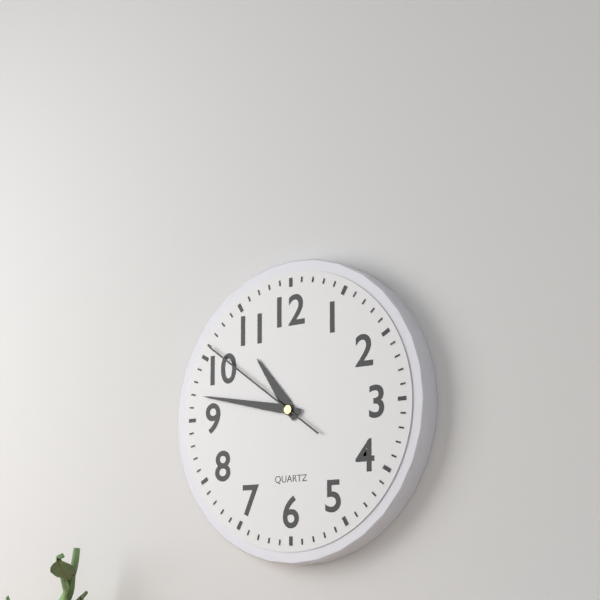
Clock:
10 h 47 min 51 s
